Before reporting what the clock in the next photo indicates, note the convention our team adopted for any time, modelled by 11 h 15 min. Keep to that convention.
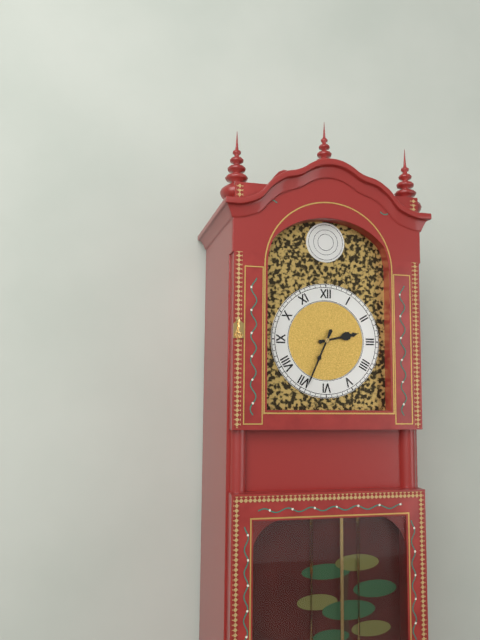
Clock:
2 h 34 min
